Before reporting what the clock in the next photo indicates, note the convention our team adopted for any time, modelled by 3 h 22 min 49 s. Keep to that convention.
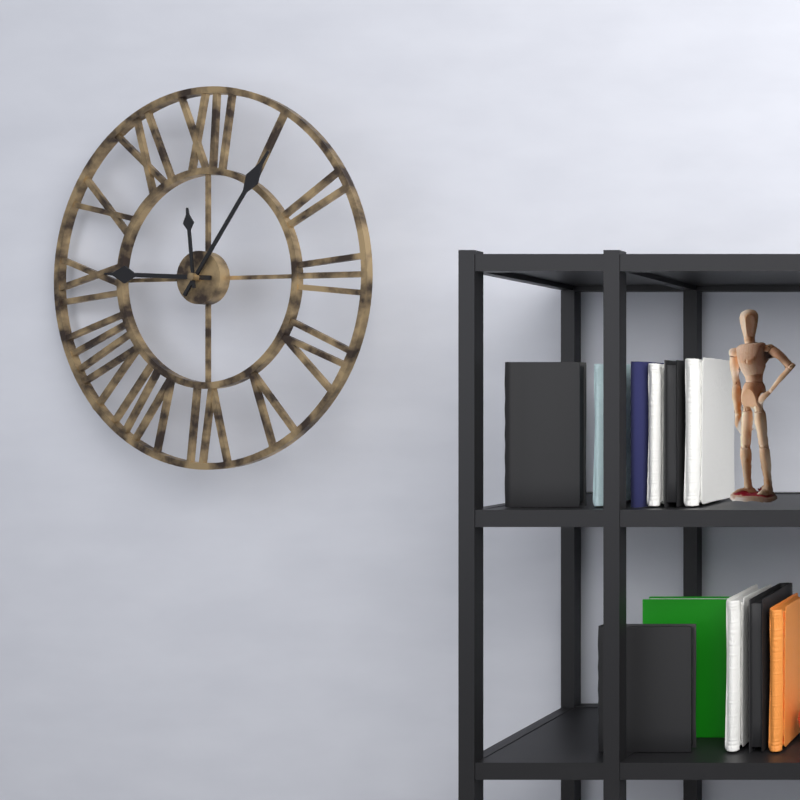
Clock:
9 h 06 min 59 s
